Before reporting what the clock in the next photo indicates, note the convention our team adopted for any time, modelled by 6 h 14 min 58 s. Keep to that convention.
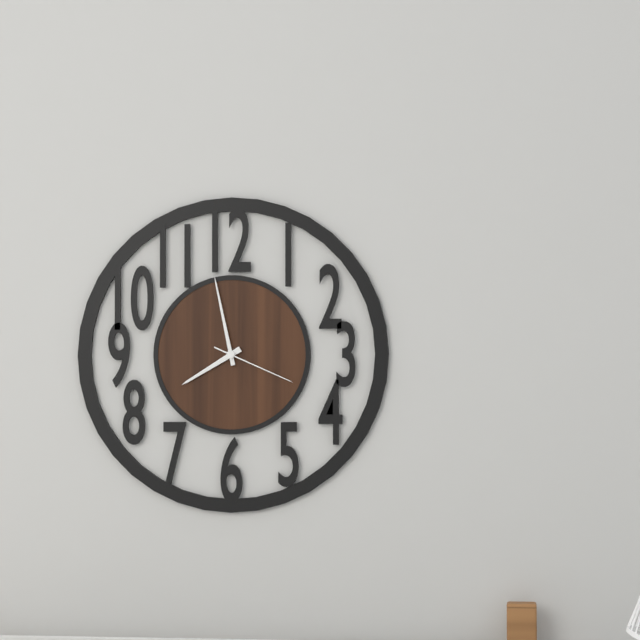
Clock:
7 h 58 min 19 s
